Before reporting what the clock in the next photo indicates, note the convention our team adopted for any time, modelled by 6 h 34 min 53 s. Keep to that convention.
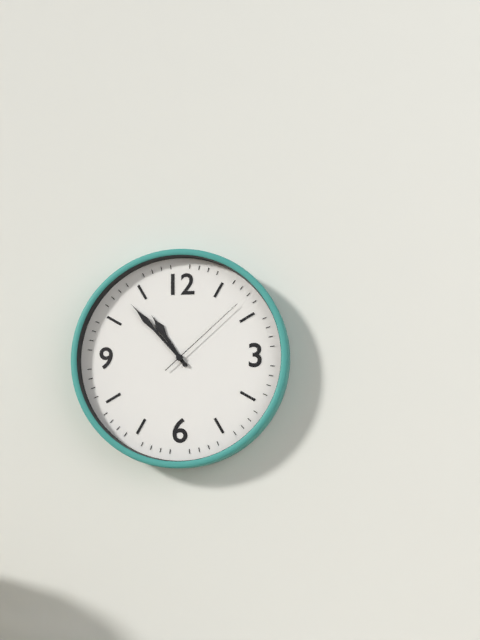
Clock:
10 h 53 min 08 s
